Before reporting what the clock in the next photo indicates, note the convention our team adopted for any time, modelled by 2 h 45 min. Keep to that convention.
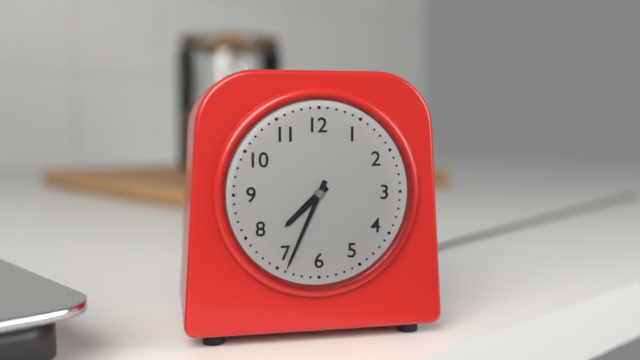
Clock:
7 h 34 min
